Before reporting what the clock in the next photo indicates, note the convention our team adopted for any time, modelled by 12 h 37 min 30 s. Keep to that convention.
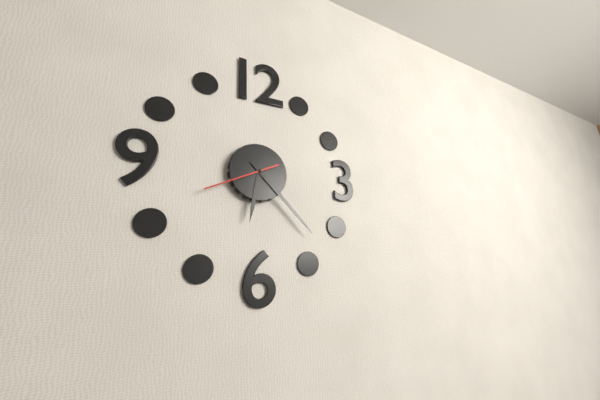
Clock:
6 h 23 min 41 s
